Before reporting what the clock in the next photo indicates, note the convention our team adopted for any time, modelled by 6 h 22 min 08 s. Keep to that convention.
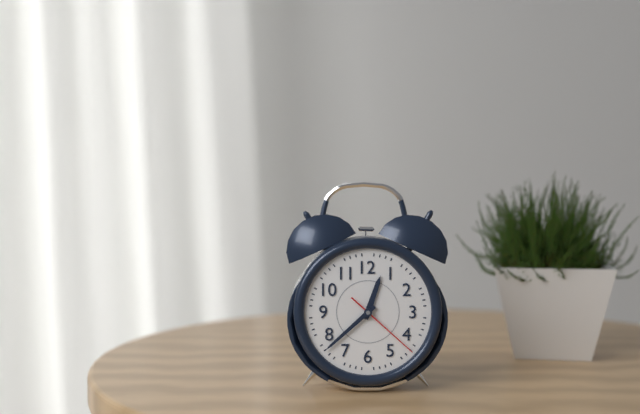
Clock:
12 h 38 min 22 s
